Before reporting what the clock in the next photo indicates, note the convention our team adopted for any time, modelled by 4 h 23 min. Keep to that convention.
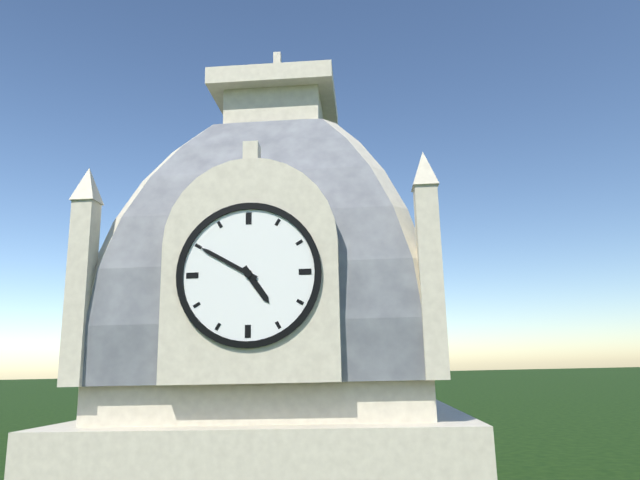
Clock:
4 h 50 min
